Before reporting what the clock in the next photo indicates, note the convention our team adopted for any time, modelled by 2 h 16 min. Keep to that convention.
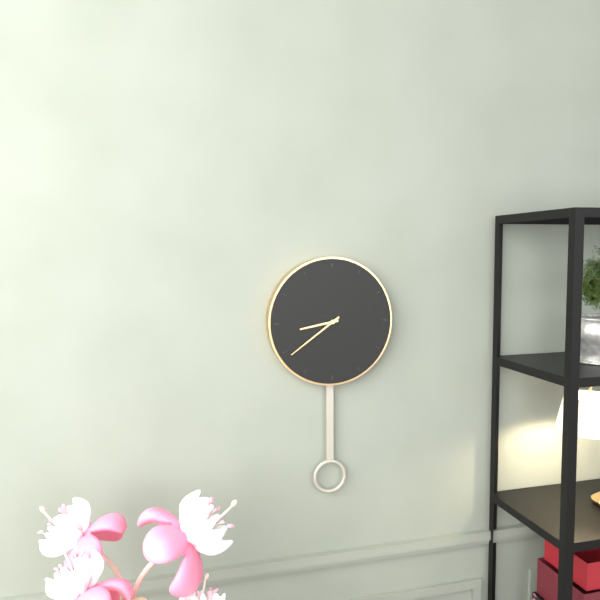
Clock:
8 h 39 min
